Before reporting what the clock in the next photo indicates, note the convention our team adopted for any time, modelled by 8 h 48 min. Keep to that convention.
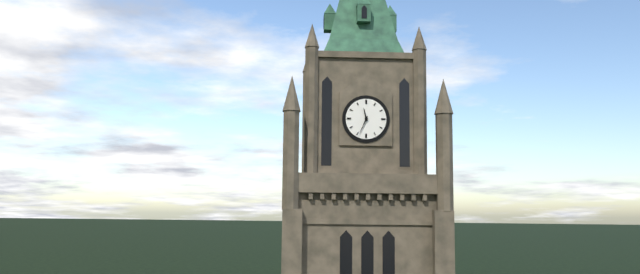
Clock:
11 h 34 min
